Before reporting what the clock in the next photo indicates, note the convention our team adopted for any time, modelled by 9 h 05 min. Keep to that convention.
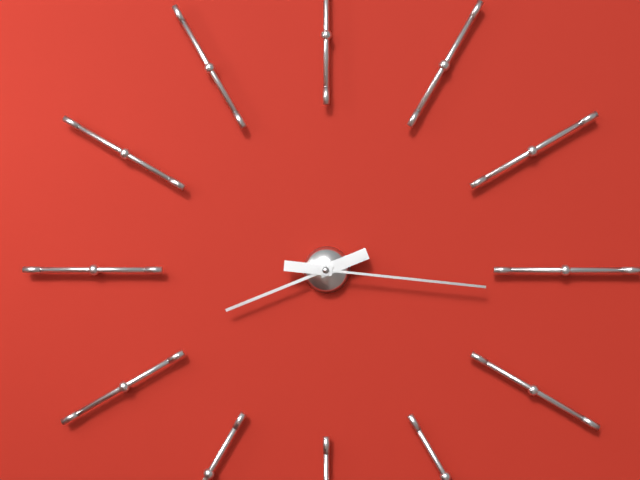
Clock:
8 h 16 min
